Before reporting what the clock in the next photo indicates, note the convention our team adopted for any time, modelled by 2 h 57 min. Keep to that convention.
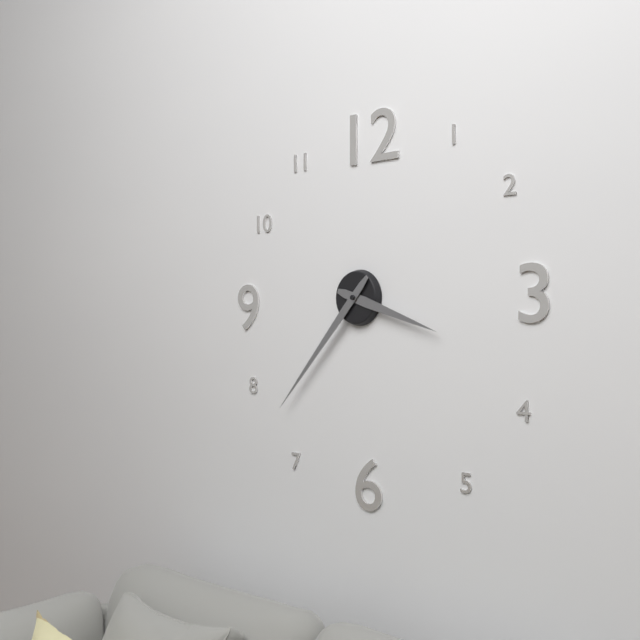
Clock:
3 h 37 min
